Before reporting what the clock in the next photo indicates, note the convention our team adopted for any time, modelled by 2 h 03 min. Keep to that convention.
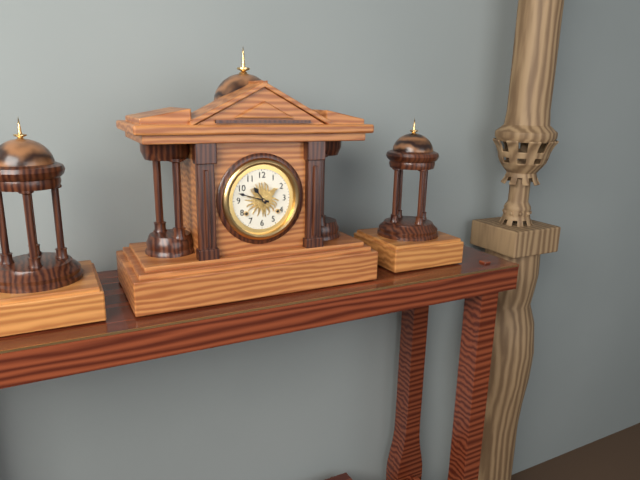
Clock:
10 h 48 min
